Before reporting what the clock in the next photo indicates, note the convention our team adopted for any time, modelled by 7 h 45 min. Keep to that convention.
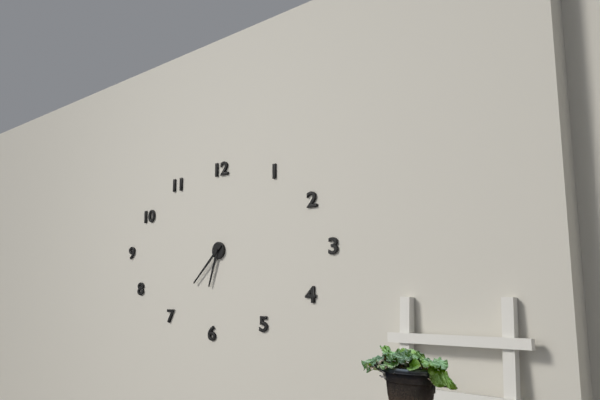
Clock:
6 h 38 min
